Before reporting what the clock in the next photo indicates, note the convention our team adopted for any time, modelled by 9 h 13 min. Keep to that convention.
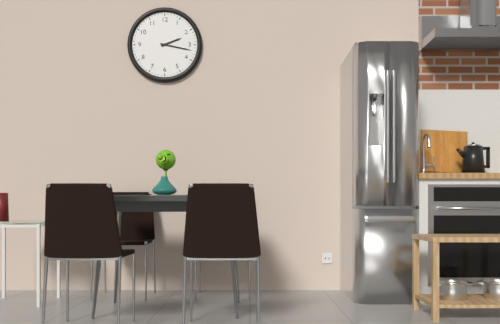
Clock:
2 h 17 min
